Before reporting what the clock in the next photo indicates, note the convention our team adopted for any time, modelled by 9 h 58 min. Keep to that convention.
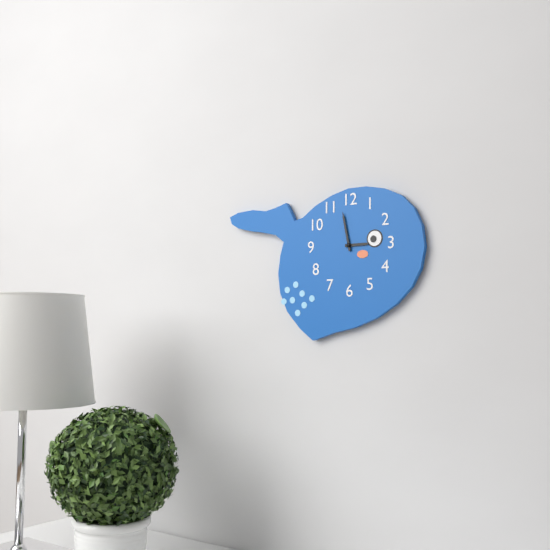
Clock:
2 h 58 min
